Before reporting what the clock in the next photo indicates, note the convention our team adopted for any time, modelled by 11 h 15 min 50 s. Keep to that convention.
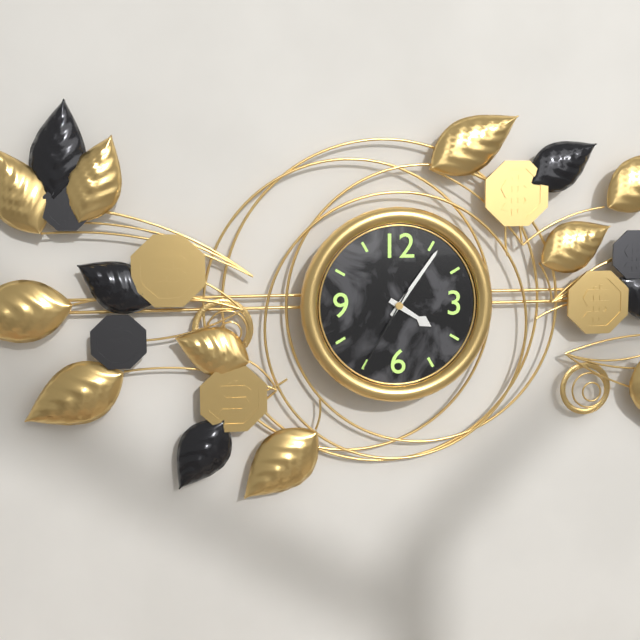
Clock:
4 h 06 min 35 s
